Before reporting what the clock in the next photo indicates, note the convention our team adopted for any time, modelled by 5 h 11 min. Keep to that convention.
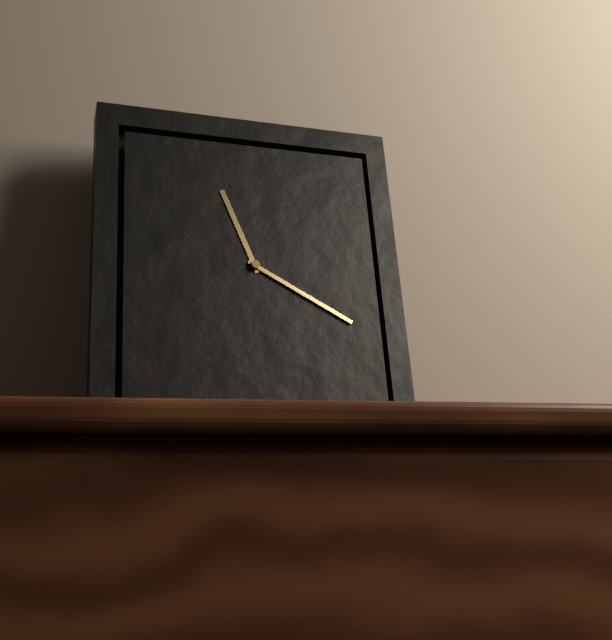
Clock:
11 h 20 min
